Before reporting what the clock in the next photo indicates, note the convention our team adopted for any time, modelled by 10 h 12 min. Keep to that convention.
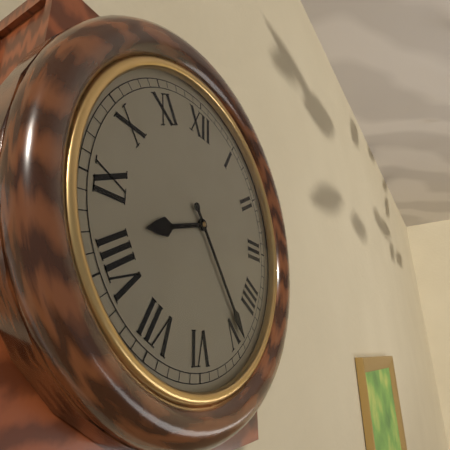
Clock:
8 h 24 min
